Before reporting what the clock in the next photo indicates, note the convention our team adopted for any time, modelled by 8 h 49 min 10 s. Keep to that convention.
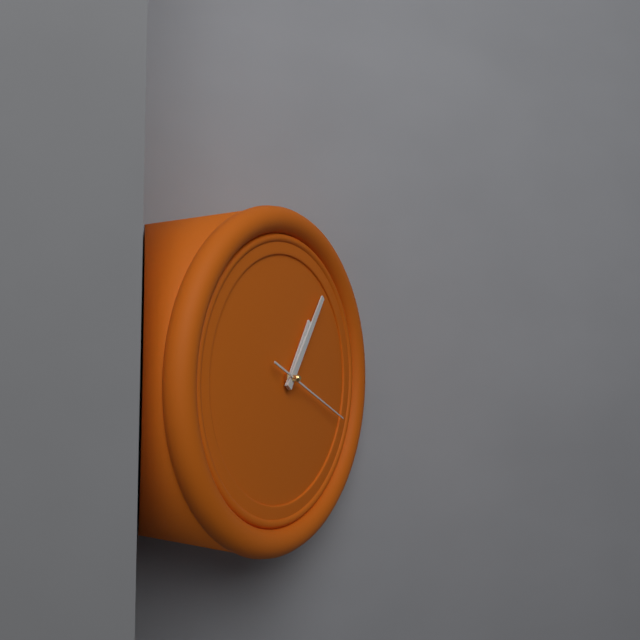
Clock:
1 h 06 min 19 s
